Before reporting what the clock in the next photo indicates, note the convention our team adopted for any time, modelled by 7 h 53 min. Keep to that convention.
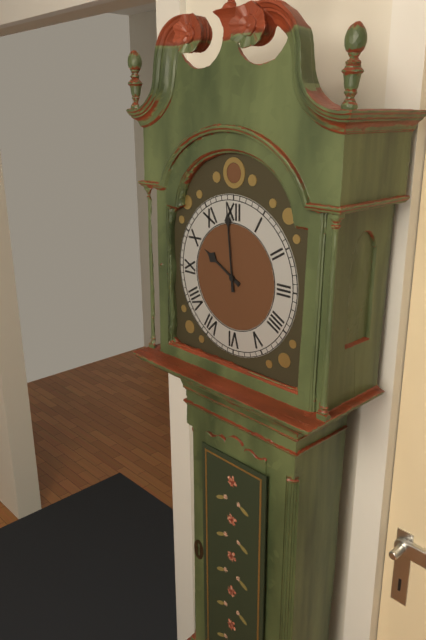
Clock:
9 h 59 min
